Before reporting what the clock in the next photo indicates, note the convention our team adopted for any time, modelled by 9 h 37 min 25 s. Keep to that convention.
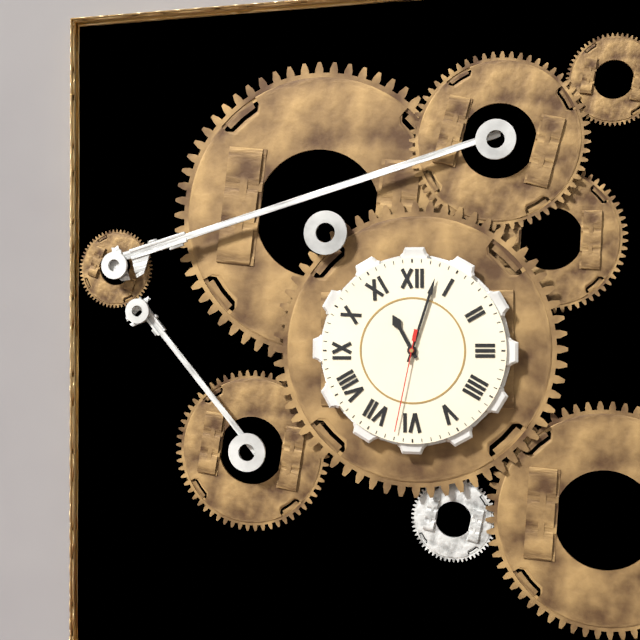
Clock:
11 h 03 min 32 s
